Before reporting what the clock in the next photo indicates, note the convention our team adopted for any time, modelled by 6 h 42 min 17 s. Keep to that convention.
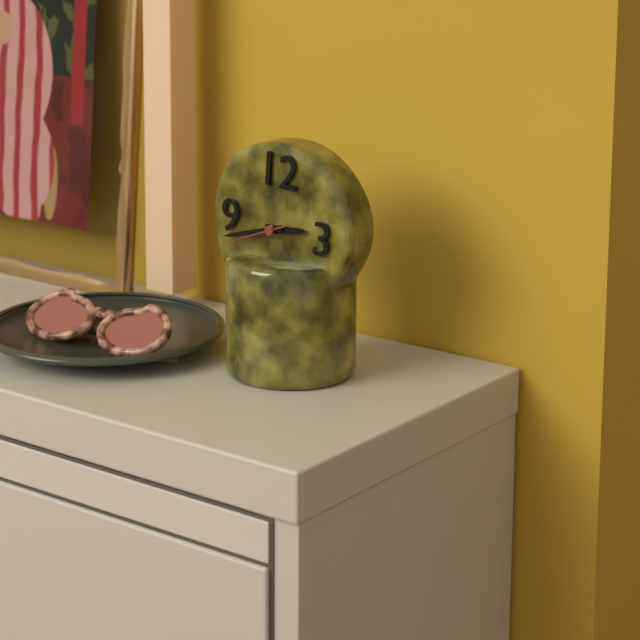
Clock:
2 h 42 min 41 s
